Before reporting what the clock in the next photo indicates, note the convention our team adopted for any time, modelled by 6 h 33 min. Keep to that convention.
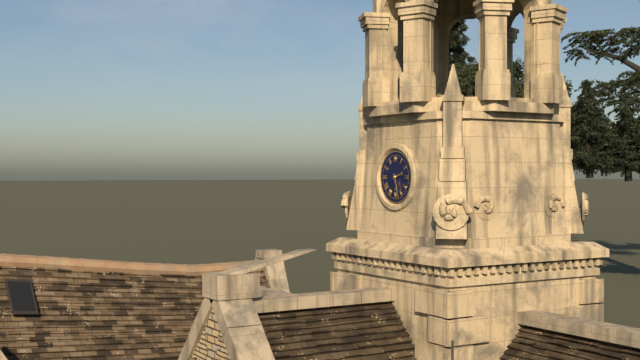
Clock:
2 h 27 min
